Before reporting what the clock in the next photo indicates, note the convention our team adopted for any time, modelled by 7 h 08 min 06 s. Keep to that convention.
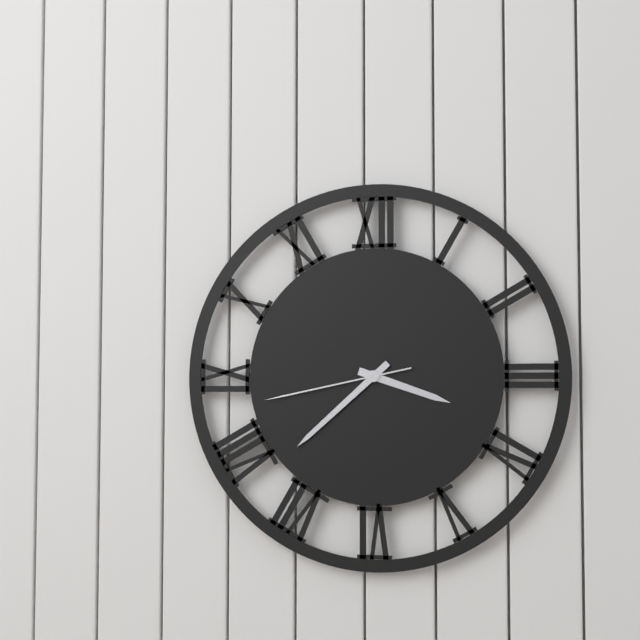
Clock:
3 h 38 min 43 s
